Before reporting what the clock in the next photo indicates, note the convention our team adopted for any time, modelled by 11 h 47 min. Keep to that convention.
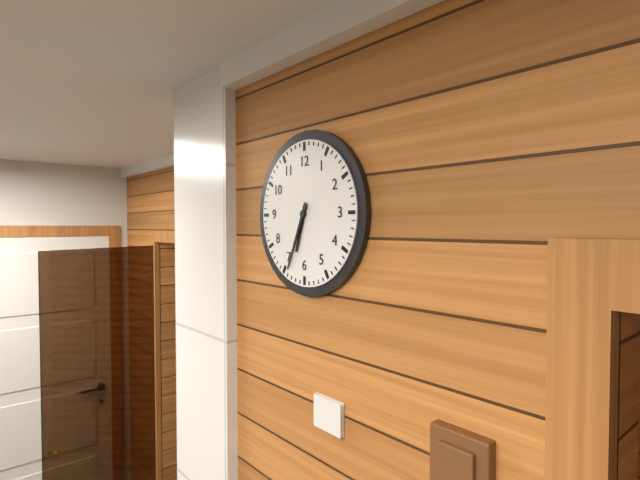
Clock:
6 h 34 min
